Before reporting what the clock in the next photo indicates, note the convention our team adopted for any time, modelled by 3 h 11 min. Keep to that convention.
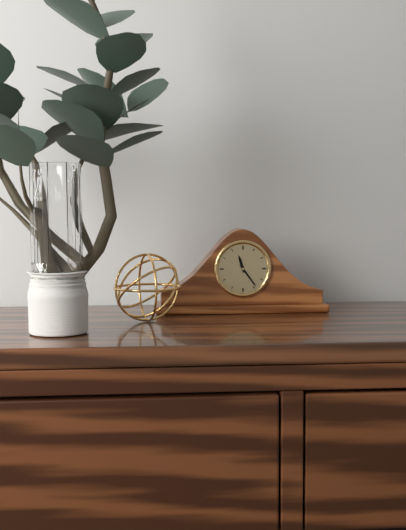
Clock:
11 h 24 min
